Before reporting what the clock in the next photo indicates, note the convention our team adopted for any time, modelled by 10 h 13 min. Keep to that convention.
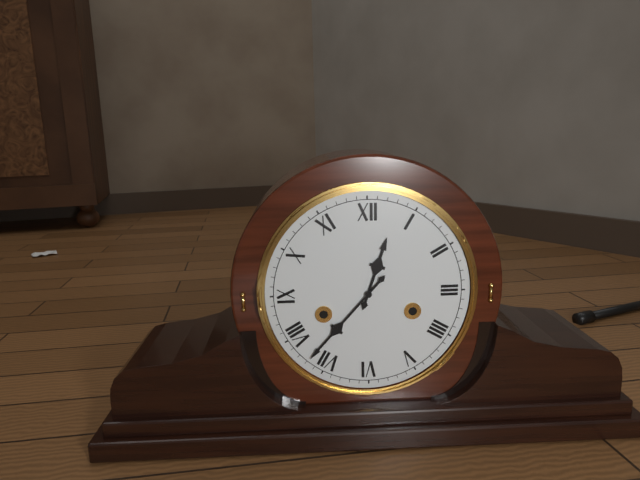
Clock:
12 h 37 min
